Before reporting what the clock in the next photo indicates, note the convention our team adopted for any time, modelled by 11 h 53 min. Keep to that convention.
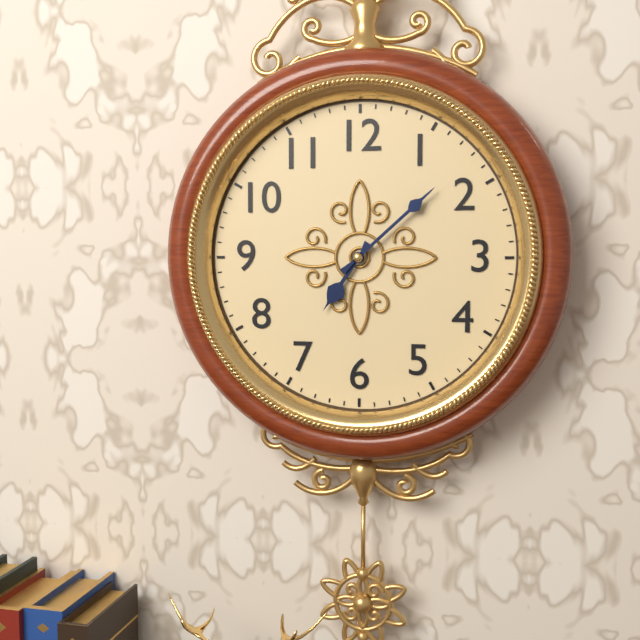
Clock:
7 h 08 min
